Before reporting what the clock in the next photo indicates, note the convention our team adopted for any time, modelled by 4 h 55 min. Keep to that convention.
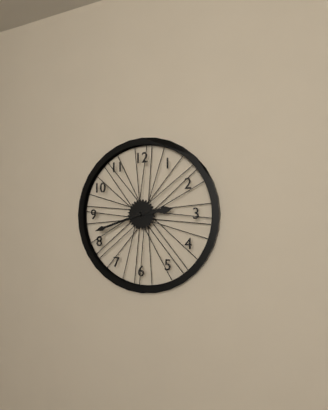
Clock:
2 h 42 min
